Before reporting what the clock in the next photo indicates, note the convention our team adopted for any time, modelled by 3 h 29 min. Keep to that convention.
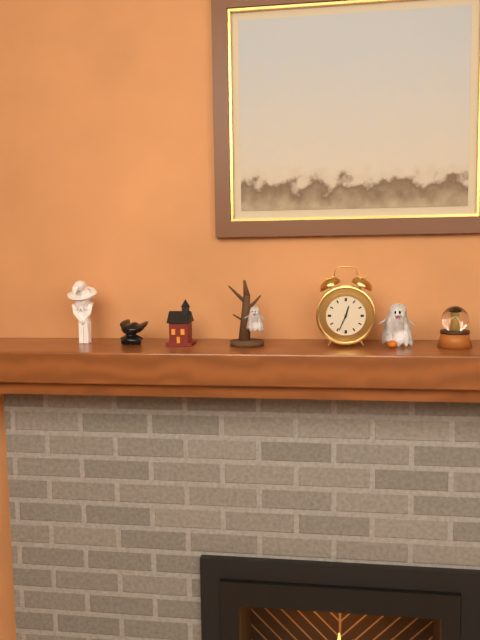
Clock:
12 h 34 min
